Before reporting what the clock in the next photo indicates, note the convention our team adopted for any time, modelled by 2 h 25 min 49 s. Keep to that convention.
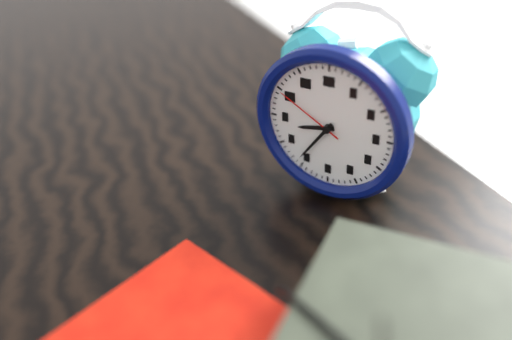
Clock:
8 h 36 min 50 s
